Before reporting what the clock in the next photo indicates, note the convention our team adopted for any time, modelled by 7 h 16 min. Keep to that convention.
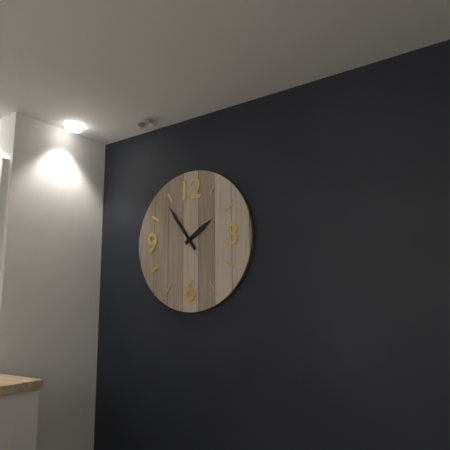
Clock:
1 h 54 min
